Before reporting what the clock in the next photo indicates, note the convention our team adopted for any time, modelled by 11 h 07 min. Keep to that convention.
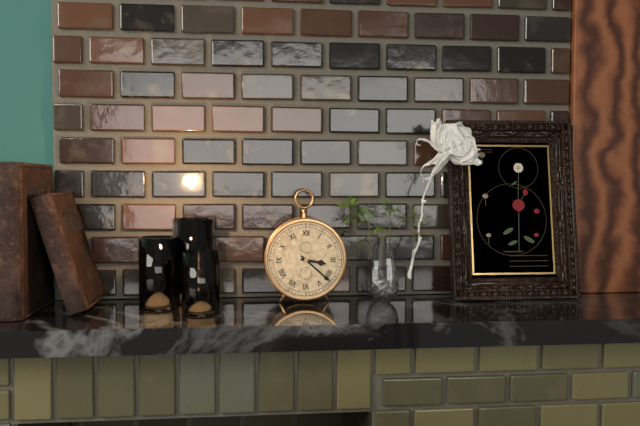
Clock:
3 h 22 min
